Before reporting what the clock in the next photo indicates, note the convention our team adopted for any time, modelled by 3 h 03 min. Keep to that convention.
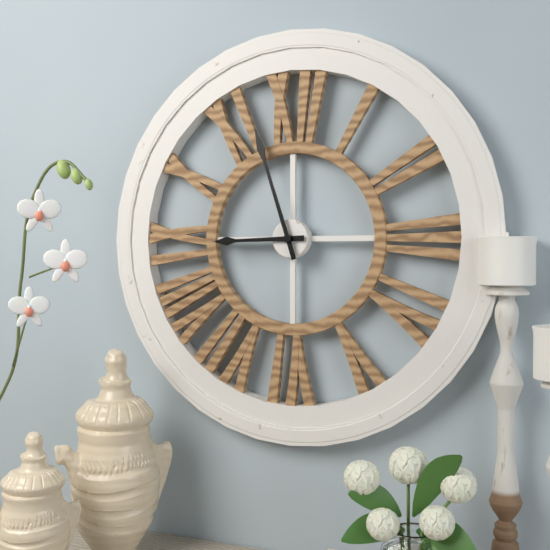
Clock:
8 h 57 min
